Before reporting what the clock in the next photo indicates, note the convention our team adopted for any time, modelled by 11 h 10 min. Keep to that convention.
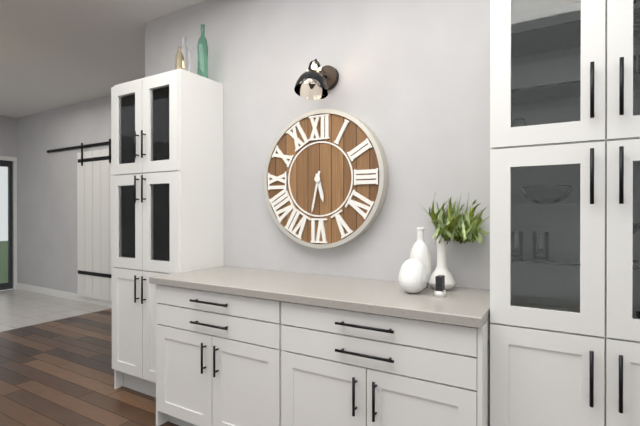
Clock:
5 h 32 min
